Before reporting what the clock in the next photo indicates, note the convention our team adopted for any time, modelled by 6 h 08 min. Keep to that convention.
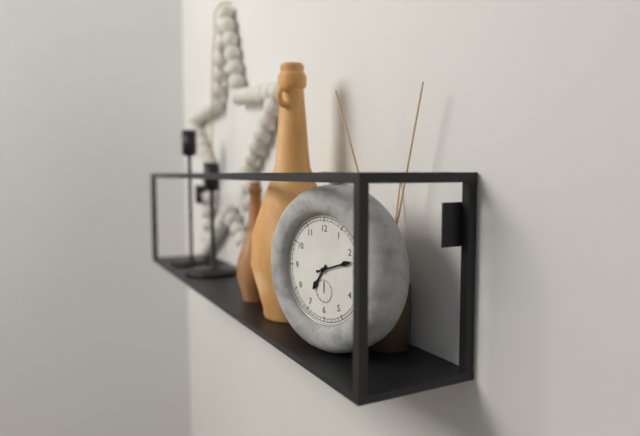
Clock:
7 h 12 min
